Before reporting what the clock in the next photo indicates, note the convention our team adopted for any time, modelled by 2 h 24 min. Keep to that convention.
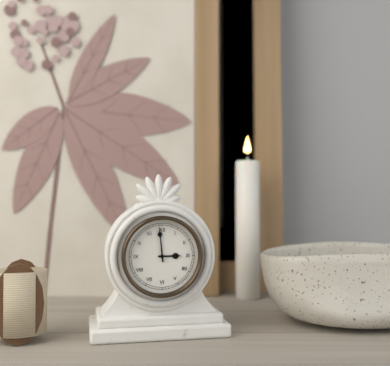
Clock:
2 h 59 min
